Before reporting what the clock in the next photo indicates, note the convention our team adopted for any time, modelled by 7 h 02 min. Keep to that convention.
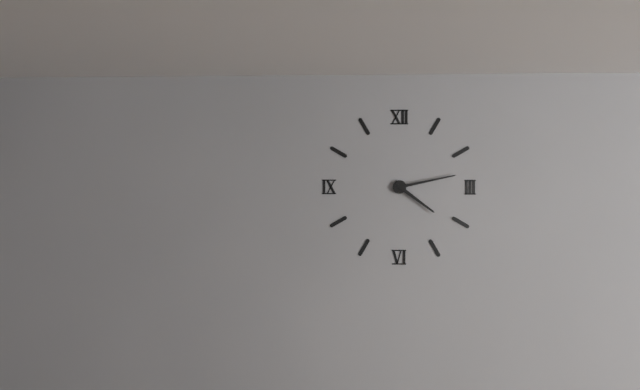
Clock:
4 h 13 min
